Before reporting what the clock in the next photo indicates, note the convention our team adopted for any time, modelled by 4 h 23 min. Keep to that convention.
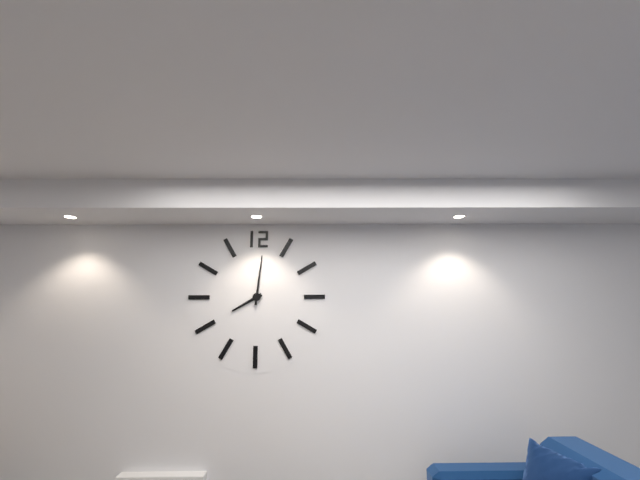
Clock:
8 h 01 min
